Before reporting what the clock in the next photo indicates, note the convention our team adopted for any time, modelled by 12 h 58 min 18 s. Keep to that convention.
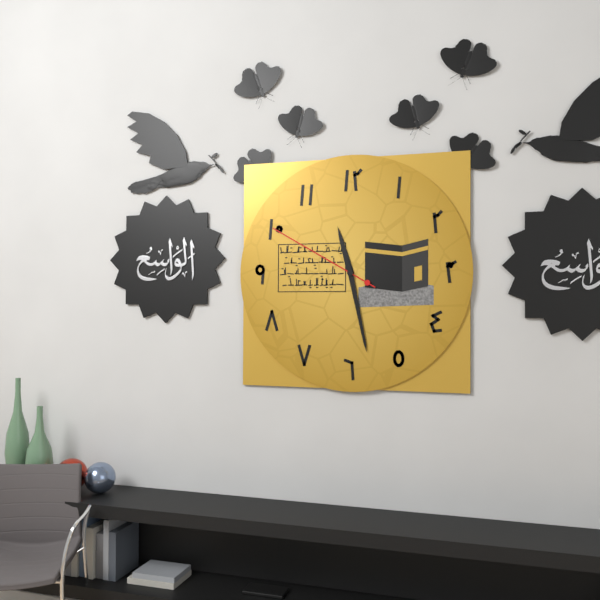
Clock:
11 h 28 min 50 s
